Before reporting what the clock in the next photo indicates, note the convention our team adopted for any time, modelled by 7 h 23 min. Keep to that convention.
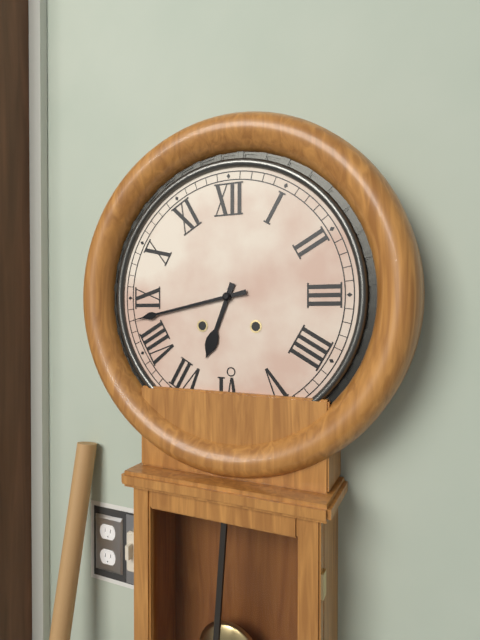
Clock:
6 h 43 min
